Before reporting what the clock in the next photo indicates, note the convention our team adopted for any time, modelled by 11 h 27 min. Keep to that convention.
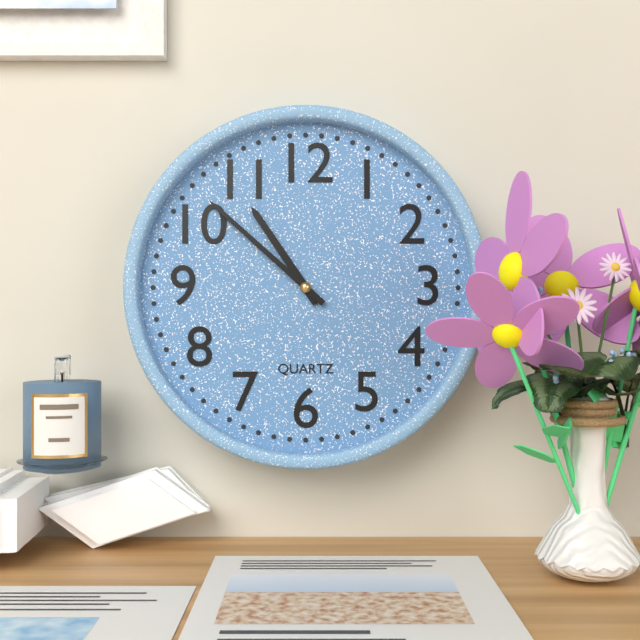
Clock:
10 h 52 min
